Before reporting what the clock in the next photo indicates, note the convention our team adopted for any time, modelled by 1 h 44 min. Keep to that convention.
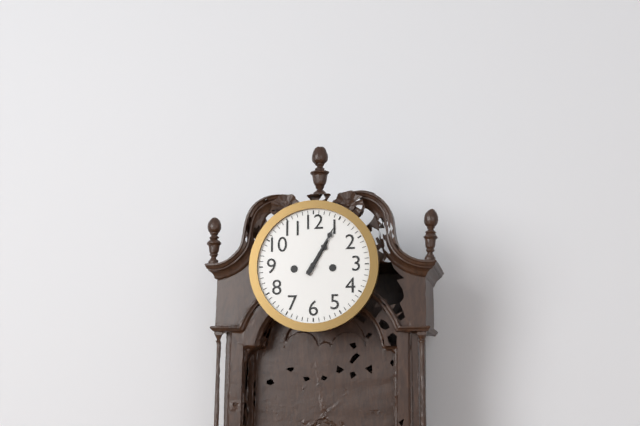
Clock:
1 h 05 min
